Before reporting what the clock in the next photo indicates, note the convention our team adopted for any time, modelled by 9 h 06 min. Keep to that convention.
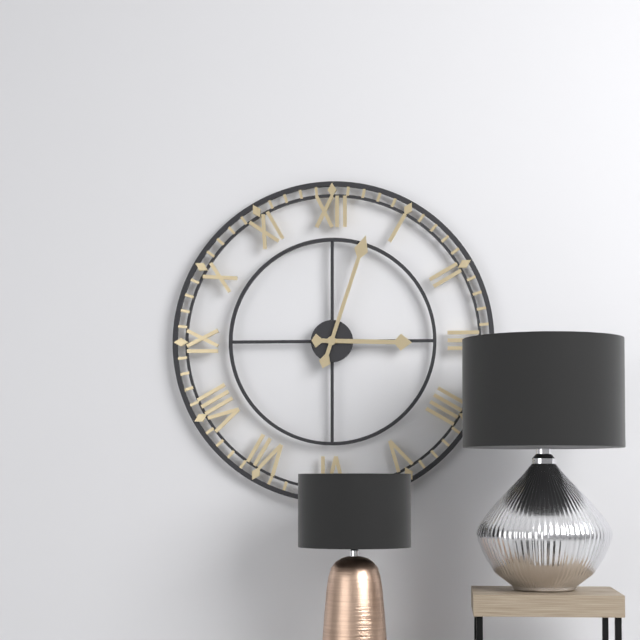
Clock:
3 h 03 min
